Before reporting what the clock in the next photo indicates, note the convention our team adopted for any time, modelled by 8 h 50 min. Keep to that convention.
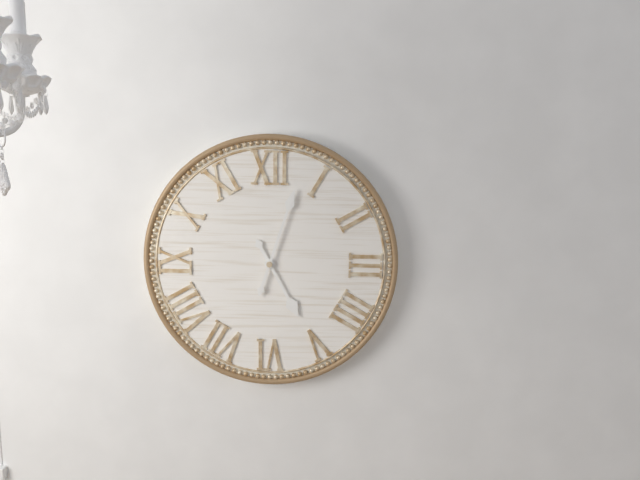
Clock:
5 h 03 min
